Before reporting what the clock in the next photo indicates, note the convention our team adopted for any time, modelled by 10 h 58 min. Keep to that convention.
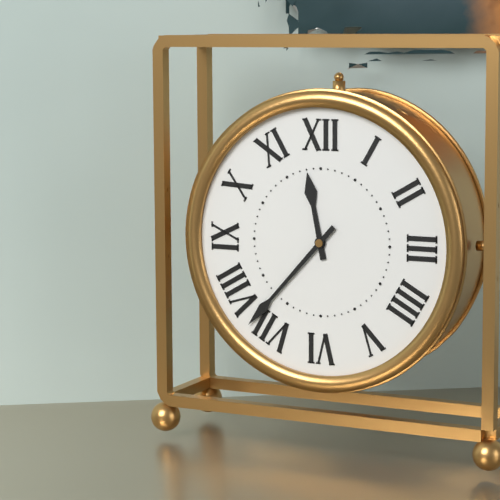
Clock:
11 h 37 min
